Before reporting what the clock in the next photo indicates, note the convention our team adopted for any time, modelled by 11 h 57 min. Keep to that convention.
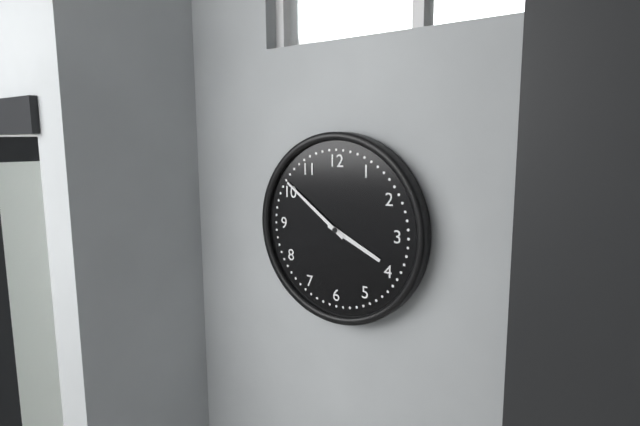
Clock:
3 h 51 min
